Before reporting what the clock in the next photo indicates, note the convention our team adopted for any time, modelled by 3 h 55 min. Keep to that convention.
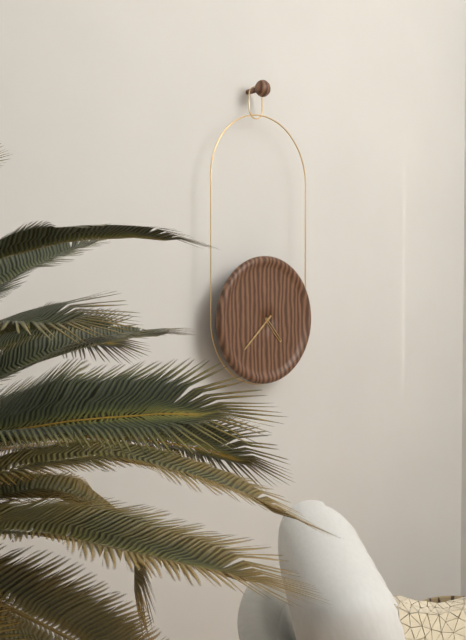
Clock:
4 h 38 min
